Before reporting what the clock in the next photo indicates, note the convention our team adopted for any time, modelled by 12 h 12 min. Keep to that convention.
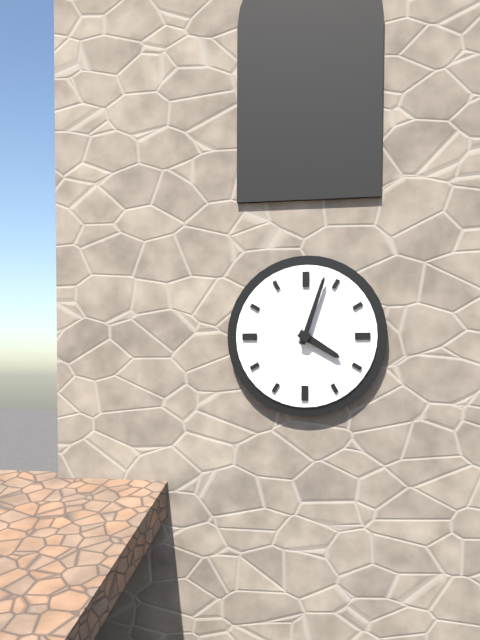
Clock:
4 h 03 min
